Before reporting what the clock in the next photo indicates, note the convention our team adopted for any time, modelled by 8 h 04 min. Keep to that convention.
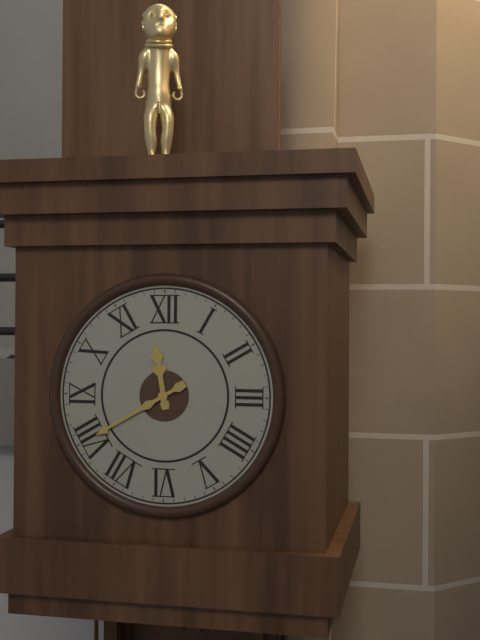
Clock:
11 h 40 min
